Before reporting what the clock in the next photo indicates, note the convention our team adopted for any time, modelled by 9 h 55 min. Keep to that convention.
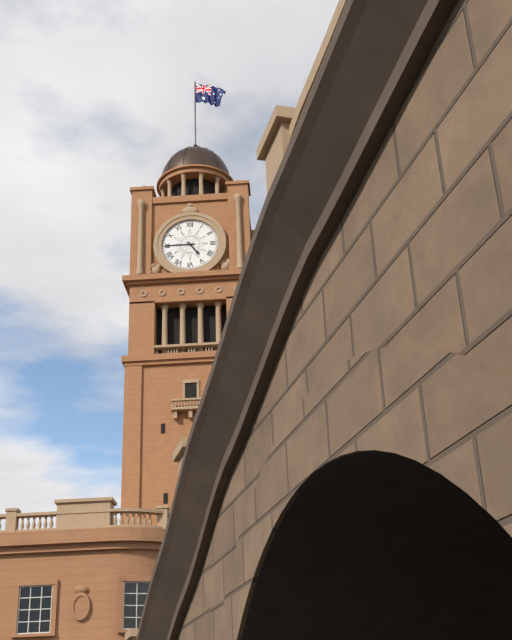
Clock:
4 h 45 min
